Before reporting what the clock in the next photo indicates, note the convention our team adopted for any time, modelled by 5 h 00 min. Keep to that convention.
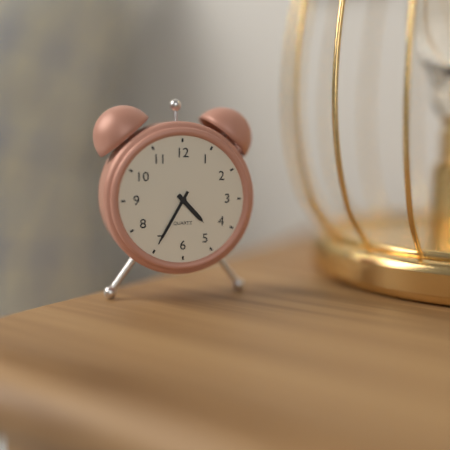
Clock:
4 h 35 min
